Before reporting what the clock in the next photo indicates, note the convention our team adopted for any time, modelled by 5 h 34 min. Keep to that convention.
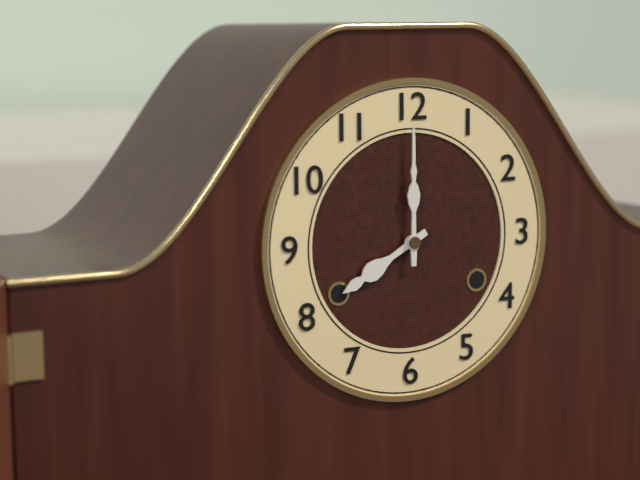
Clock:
8 h 00 min
